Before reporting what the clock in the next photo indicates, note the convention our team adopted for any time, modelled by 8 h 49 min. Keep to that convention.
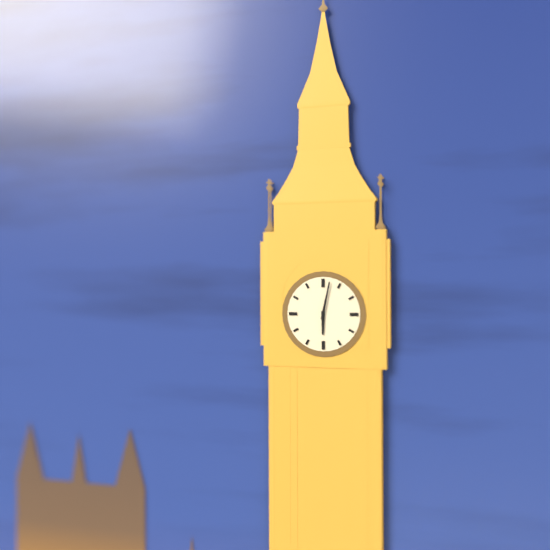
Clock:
6 h 02 min
